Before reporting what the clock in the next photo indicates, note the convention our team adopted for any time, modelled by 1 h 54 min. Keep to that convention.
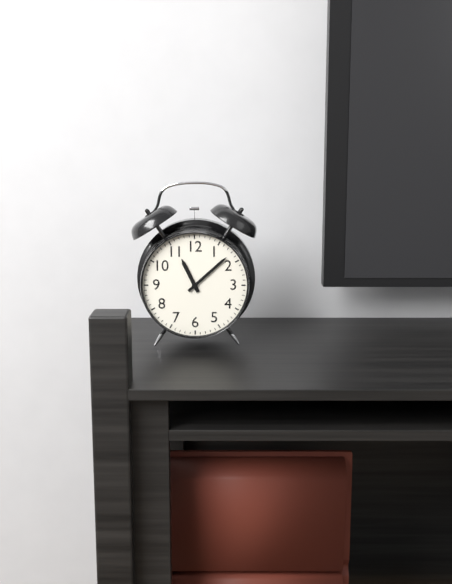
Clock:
11 h 08 min
